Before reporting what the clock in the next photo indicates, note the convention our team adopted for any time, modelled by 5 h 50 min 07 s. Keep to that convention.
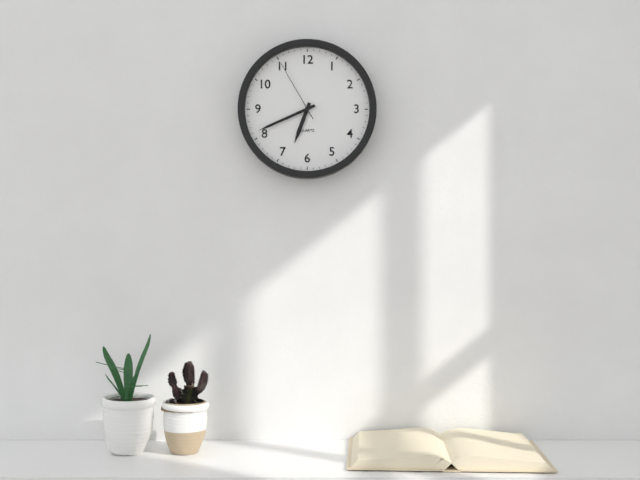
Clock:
6 h 41 min 55 s
